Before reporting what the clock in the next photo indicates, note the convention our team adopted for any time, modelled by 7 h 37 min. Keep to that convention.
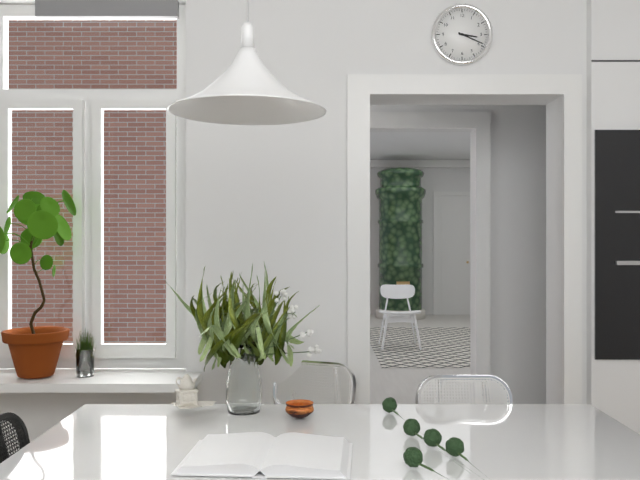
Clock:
3 h 19 min
